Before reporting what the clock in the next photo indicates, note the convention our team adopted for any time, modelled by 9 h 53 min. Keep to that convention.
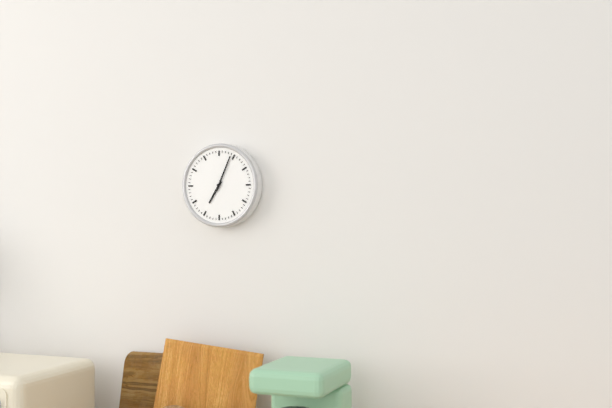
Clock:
7 h 04 min
